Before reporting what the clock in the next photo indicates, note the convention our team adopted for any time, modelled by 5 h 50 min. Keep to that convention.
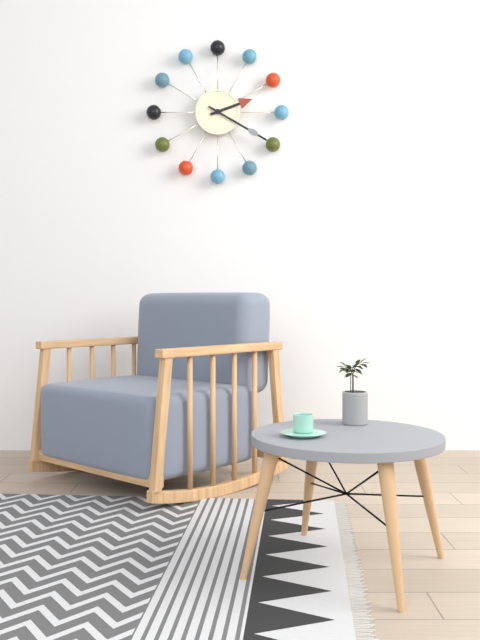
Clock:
2 h 20 min
